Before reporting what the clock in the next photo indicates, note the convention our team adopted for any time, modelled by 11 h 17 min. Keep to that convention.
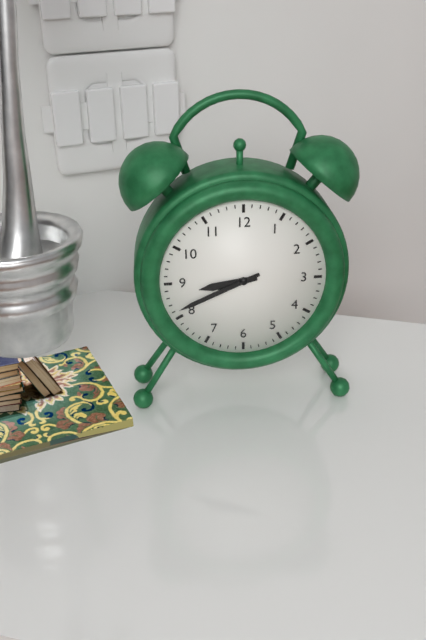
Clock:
8 h 41 min
